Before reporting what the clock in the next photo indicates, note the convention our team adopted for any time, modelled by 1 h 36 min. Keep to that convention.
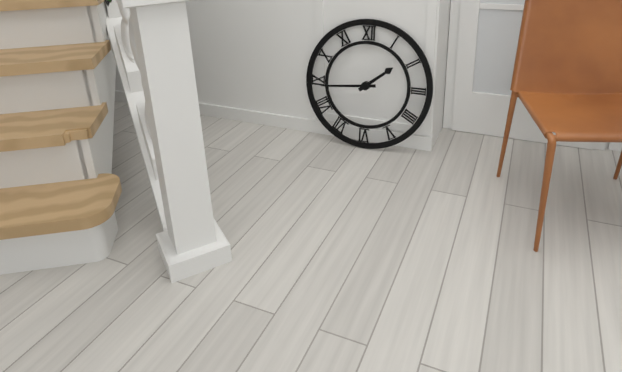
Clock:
1 h 44 min
